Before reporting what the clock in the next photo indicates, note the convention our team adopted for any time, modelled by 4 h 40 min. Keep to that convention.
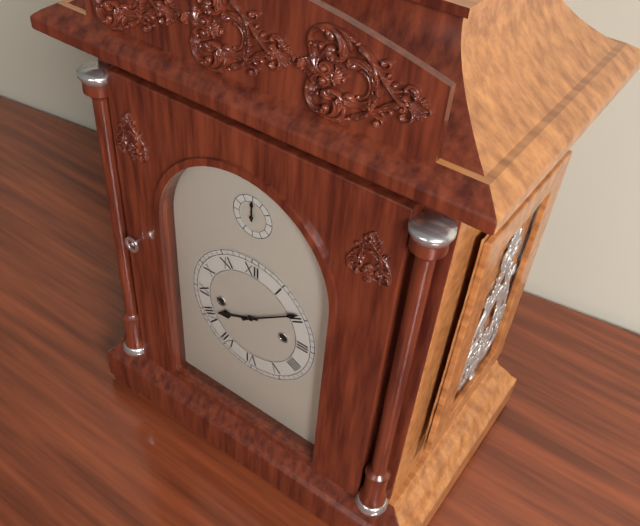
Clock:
8 h 09 min
